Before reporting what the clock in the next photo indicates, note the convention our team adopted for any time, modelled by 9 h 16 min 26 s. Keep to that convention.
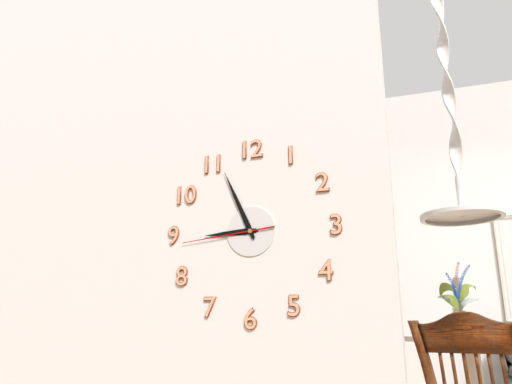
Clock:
8 h 56 min 44 s
